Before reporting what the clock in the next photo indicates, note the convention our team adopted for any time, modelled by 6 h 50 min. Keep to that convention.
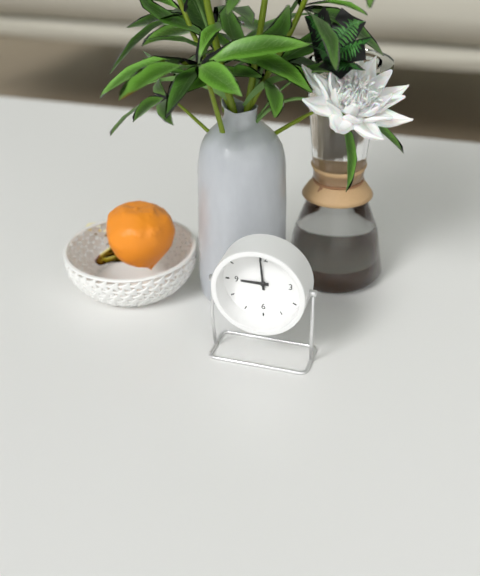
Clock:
8 h 59 min
